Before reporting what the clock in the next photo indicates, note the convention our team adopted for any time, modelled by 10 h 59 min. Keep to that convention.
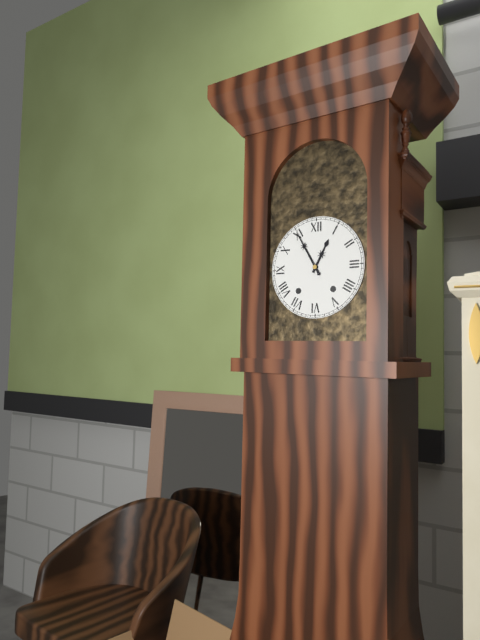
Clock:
12 h 55 min
